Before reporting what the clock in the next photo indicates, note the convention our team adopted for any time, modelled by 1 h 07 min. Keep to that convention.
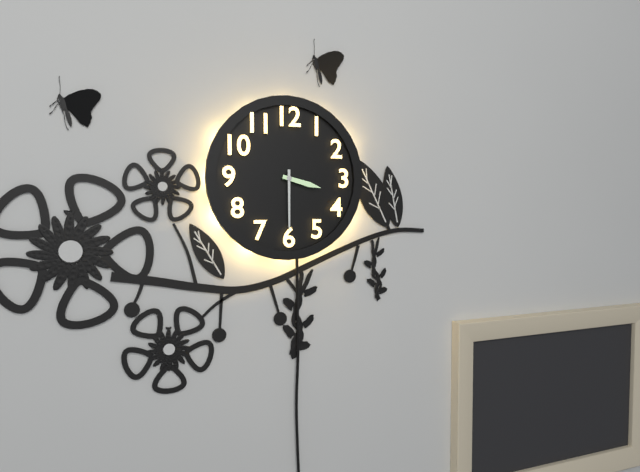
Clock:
3 h 30 min
